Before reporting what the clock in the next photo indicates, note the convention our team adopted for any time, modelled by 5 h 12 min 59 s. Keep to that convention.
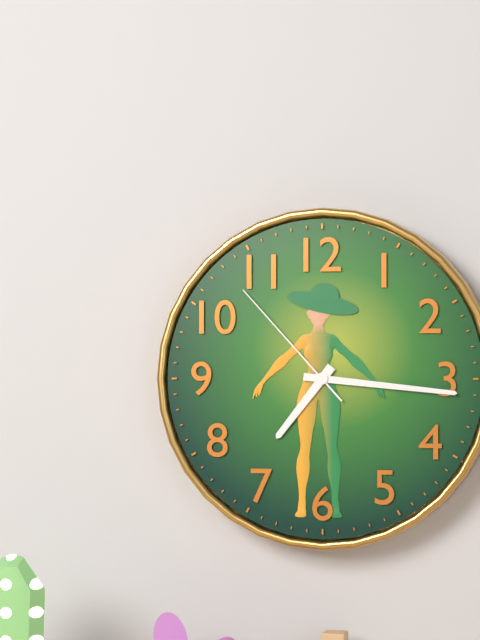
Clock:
7 h 16 min 53 s
